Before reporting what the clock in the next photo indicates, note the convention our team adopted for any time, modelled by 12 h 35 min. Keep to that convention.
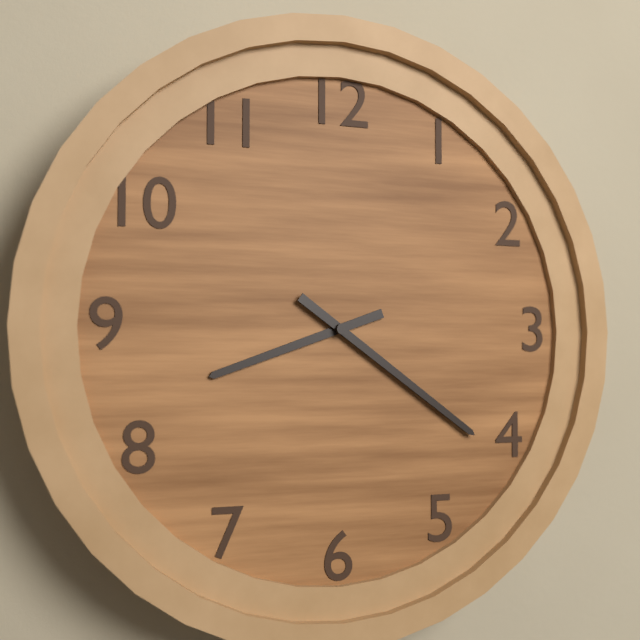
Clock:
8 h 21 min
